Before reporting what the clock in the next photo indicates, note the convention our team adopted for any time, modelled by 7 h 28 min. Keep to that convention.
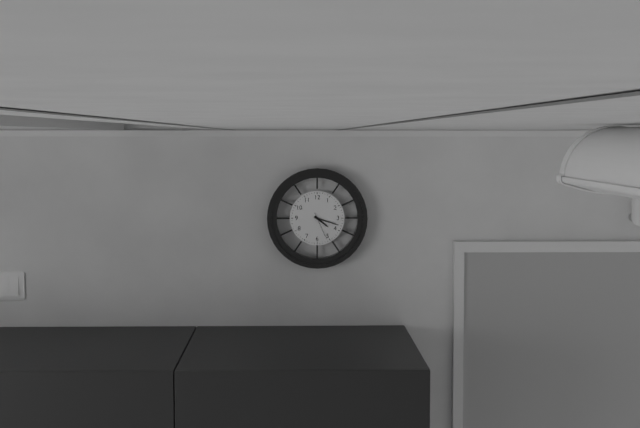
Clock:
4 h 18 min
